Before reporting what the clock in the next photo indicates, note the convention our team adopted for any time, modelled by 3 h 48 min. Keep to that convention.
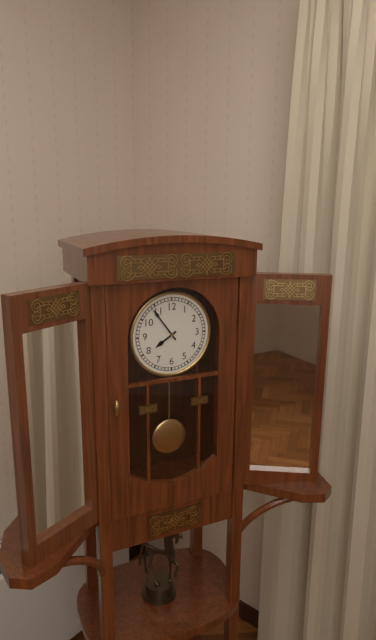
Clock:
7 h 54 min
